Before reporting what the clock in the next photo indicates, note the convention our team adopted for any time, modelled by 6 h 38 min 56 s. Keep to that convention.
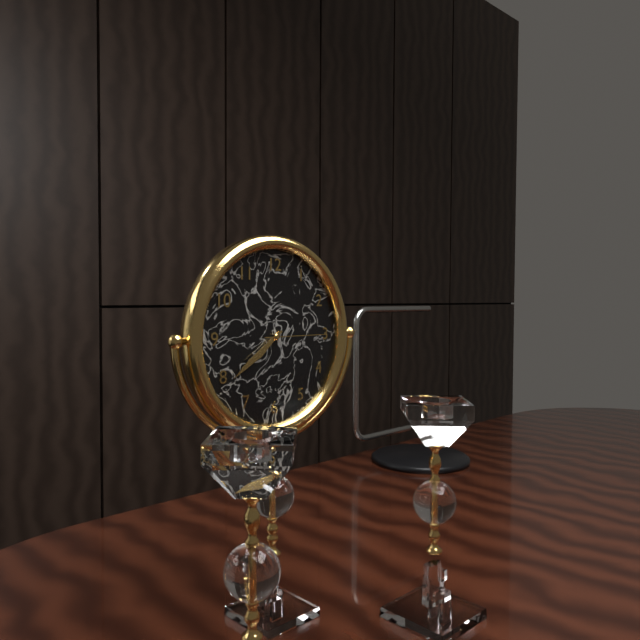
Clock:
7 h 39 min 15 s
